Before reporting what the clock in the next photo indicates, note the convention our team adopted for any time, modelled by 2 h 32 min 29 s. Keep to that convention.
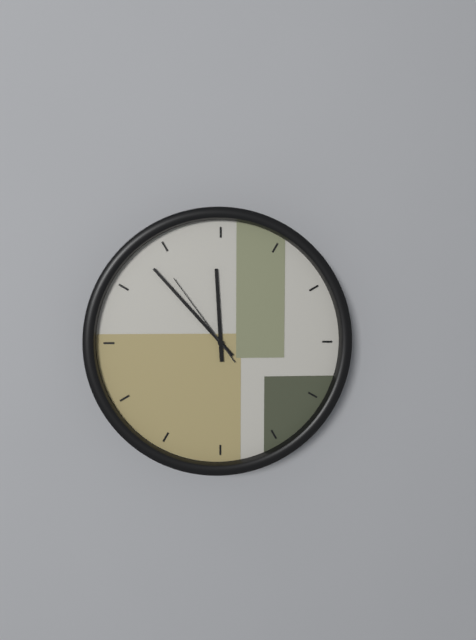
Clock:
11 h 53 min 54 s
